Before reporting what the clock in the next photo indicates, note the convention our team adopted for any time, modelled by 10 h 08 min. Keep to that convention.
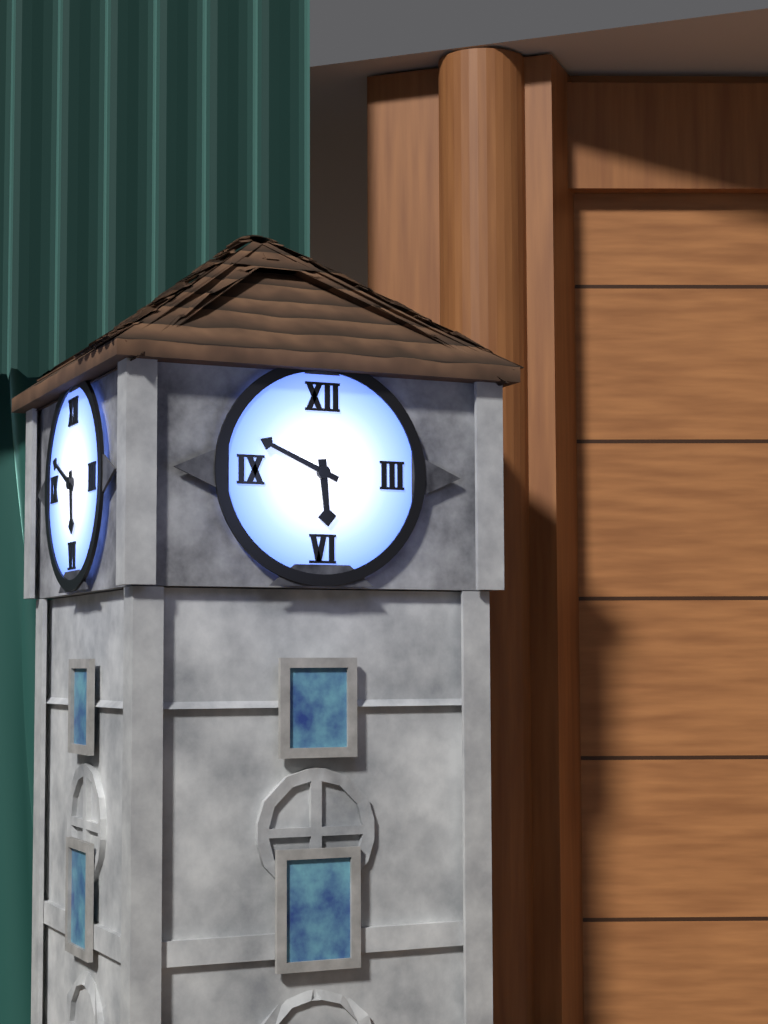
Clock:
5 h 49 min
